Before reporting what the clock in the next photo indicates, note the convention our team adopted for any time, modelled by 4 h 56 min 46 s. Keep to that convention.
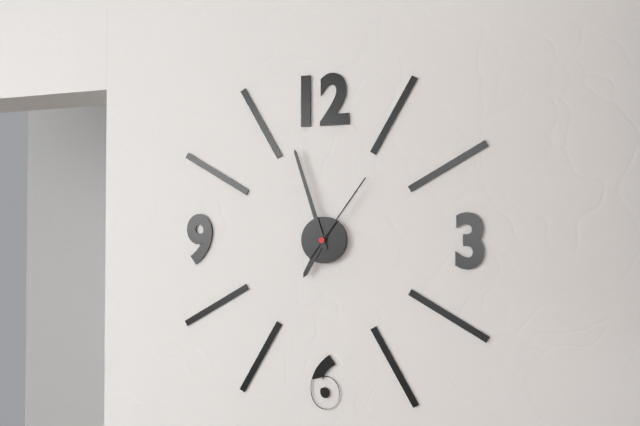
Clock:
6 h 57 min 06 s
